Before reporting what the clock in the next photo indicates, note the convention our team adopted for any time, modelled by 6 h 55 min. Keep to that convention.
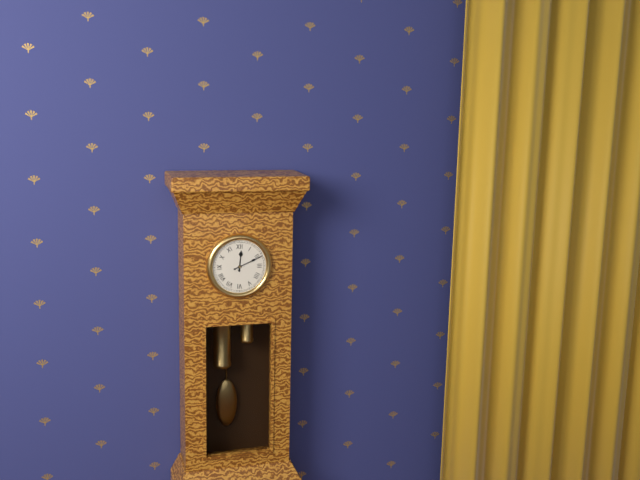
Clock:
12 h 11 min
